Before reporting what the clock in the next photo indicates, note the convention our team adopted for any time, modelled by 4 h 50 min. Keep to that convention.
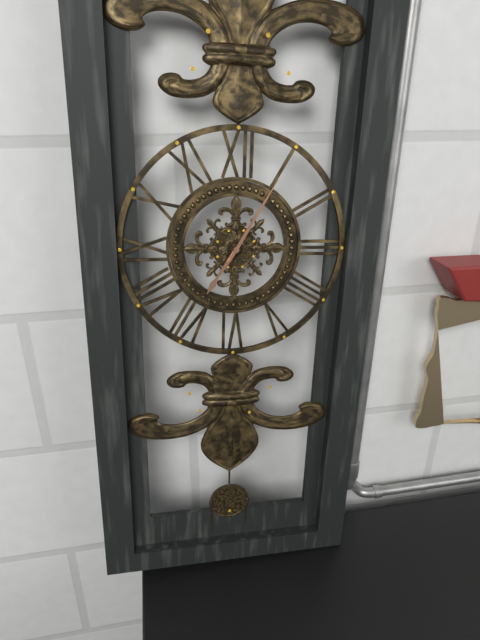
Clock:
7 h 05 min
